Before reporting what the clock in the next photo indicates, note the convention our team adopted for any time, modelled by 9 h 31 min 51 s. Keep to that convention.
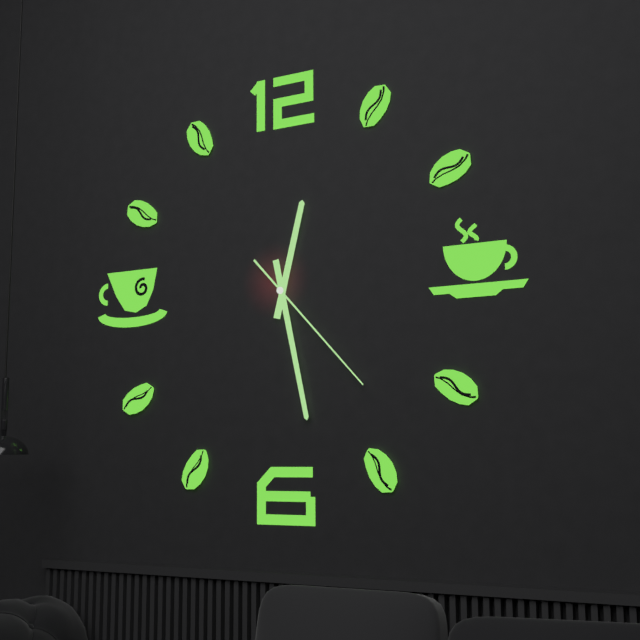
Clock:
12 h 28 min 23 s
